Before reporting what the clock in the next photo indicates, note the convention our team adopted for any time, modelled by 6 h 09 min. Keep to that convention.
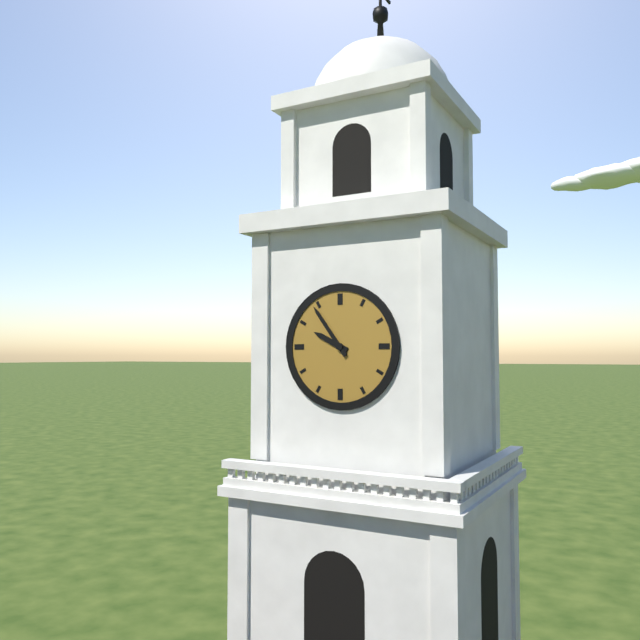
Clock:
9 h 54 min
